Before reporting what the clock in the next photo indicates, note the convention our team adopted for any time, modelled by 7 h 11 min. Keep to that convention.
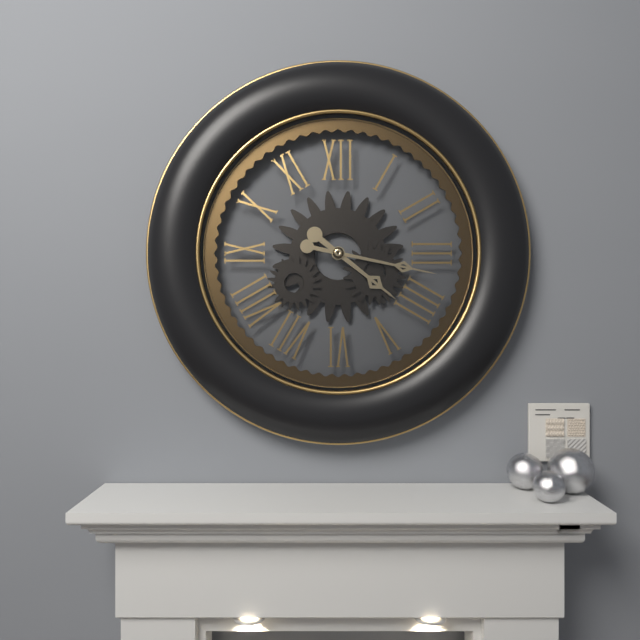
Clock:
4 h 17 min
